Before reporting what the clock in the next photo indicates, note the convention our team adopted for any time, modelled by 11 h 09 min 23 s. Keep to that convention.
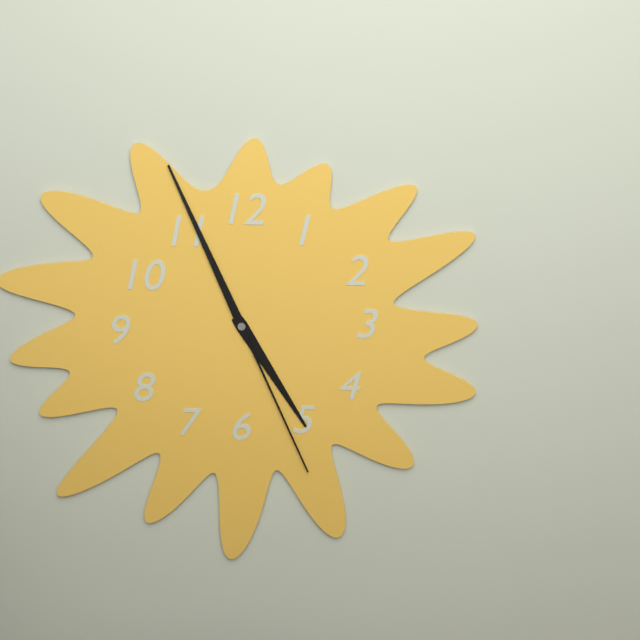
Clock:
4 h 56 min 26 s
